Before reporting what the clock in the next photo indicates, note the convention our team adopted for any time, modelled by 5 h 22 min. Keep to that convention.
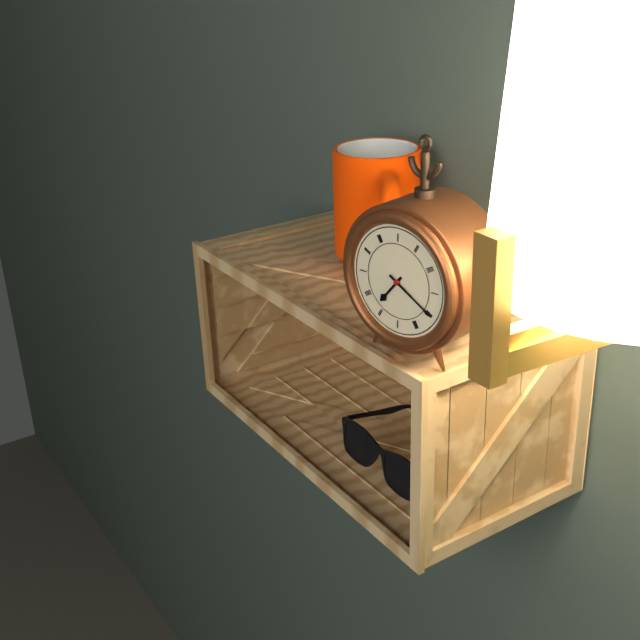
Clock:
7 h 20 min
